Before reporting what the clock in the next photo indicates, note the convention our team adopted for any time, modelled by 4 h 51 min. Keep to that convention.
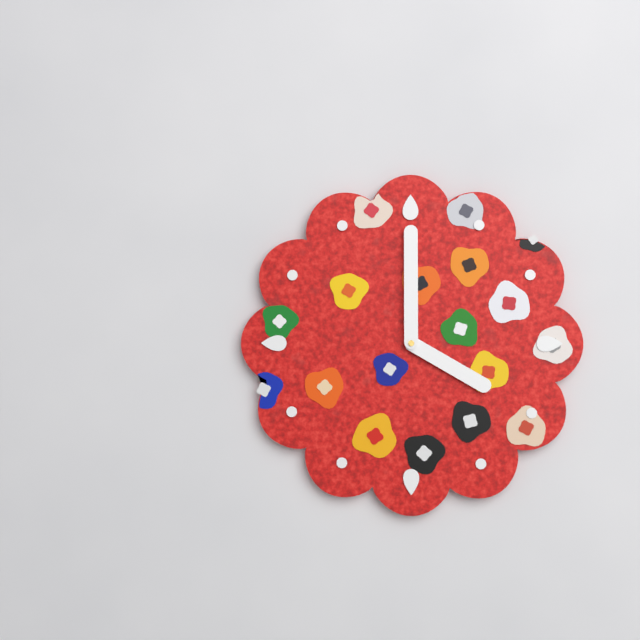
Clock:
4 h 00 min
